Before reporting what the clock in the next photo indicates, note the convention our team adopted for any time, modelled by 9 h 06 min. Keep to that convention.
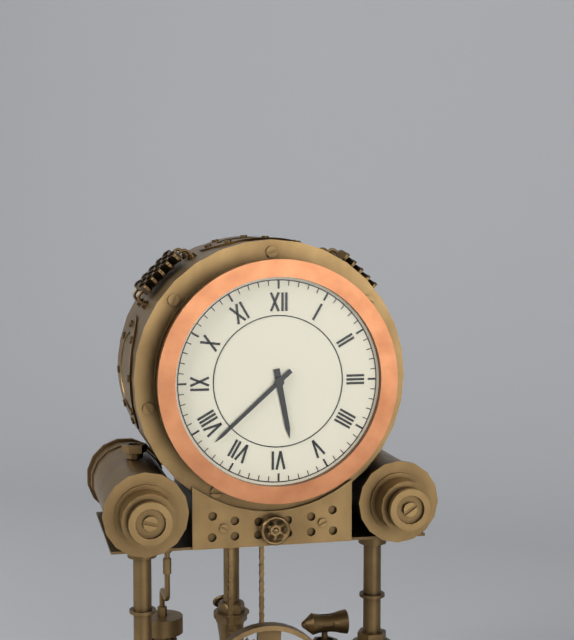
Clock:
5 h 38 min
